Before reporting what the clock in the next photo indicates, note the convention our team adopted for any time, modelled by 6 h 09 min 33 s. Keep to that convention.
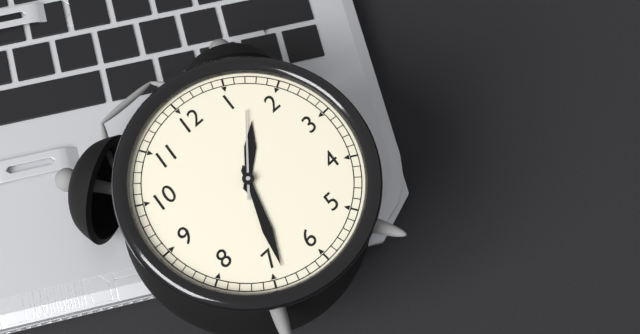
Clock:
1 h 34 min 07 s
